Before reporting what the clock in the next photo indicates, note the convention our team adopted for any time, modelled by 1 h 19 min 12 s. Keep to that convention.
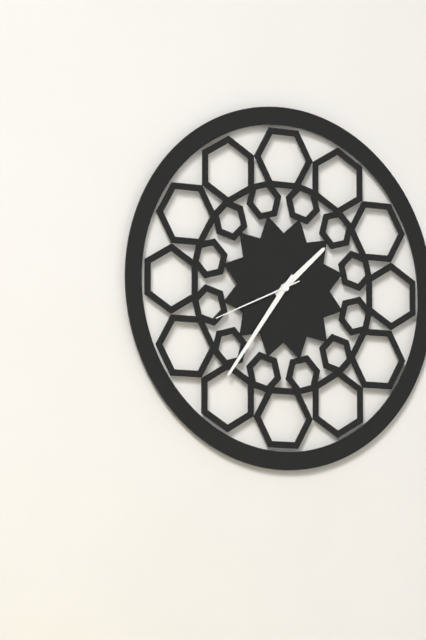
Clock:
1 h 36 min 41 s
